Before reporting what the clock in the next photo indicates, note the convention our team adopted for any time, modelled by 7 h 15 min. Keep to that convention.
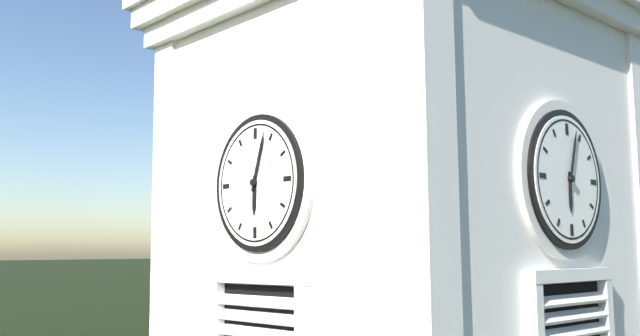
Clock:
6 h 03 min
